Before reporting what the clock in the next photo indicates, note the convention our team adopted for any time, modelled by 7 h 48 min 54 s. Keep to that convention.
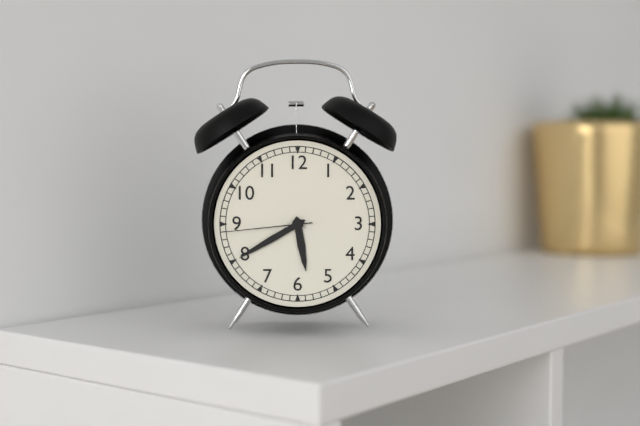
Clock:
5 h 40 min 44 s
